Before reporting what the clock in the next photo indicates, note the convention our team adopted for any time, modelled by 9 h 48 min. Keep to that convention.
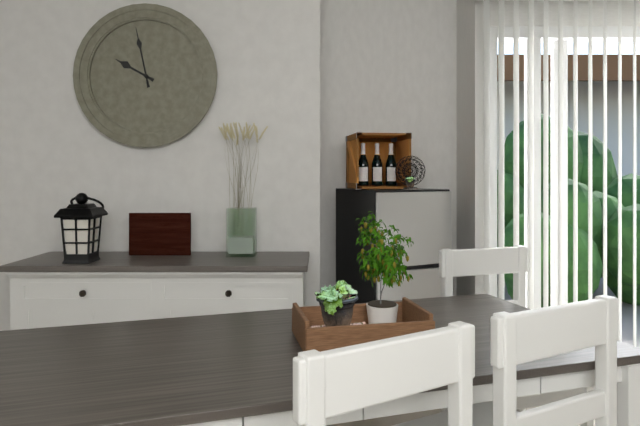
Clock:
9 h 58 min
